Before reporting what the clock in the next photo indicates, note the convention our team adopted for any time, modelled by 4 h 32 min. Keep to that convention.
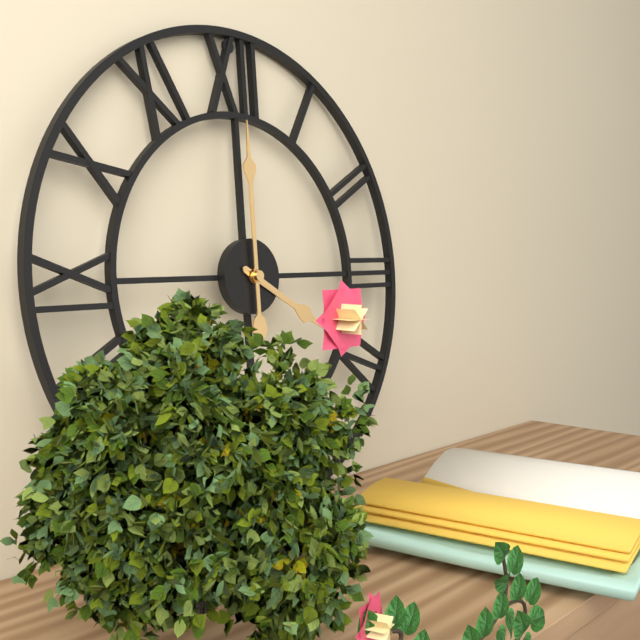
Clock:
4 h 00 min
